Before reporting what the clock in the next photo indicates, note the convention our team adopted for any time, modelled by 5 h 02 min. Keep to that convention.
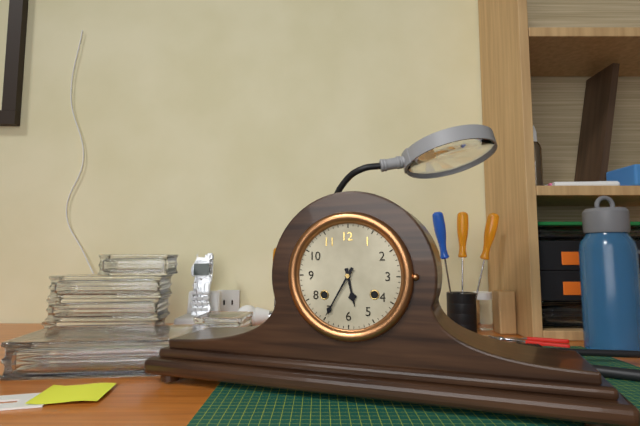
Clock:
5 h 35 min
